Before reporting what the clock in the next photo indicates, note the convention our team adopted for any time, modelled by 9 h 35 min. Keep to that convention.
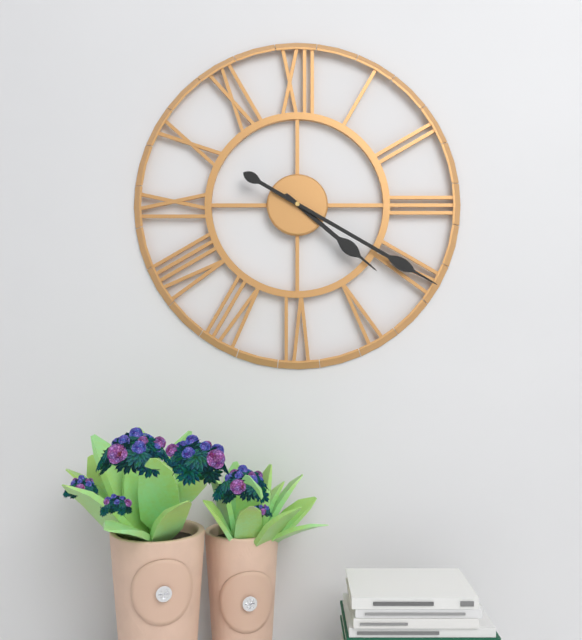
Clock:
4 h 20 min
